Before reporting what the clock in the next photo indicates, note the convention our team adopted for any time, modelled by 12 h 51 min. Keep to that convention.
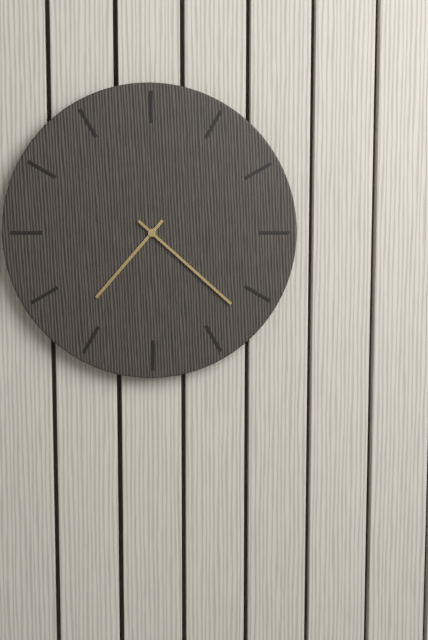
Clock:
7 h 22 min
